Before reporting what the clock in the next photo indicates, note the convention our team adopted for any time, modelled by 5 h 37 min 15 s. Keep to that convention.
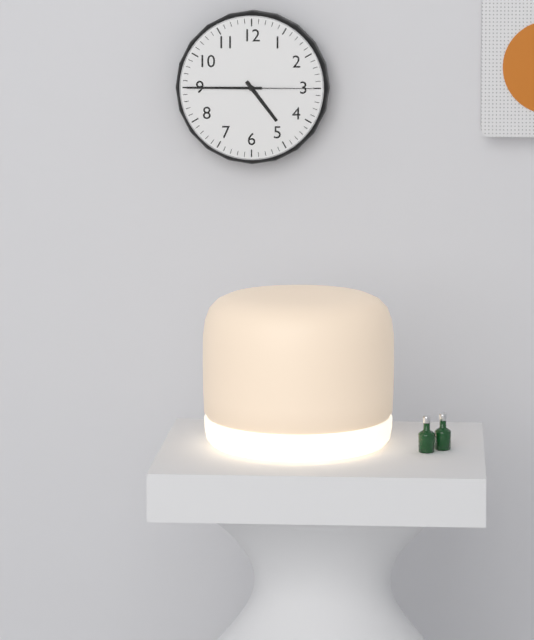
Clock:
4 h 45 min 15 s
